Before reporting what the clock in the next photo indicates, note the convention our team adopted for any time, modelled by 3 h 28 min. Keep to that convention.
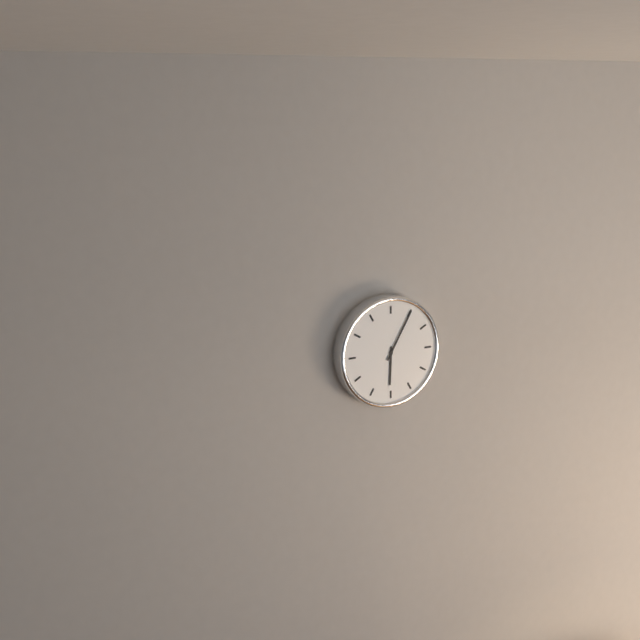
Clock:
6 h 05 min
